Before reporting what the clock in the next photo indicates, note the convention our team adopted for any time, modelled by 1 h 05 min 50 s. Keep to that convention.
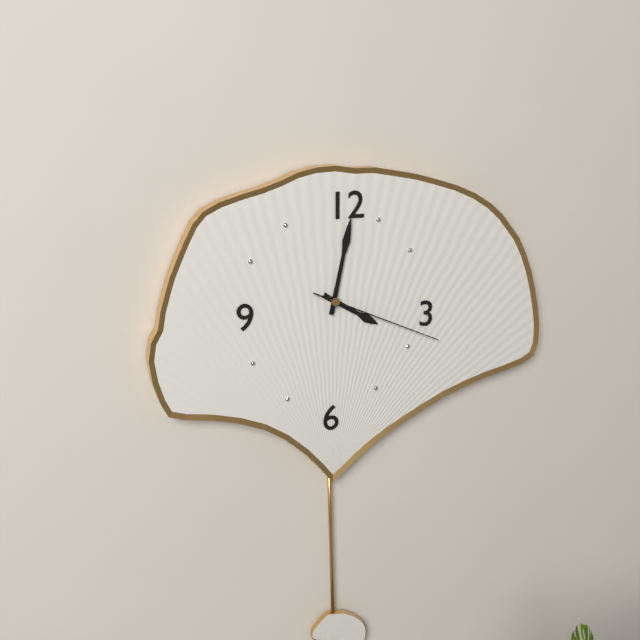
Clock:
4 h 02 min 19 s
